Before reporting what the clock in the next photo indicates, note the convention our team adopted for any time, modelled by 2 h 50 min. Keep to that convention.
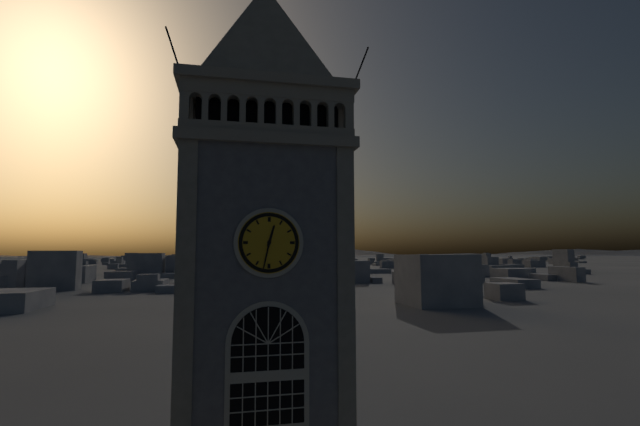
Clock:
12 h 32 min
